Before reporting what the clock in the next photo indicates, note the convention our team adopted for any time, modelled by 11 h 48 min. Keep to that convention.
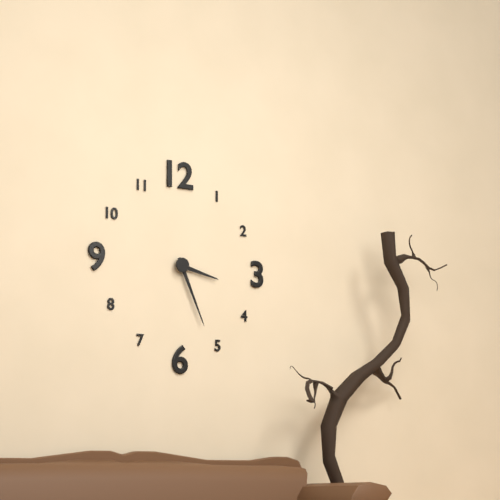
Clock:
3 h 26 min
